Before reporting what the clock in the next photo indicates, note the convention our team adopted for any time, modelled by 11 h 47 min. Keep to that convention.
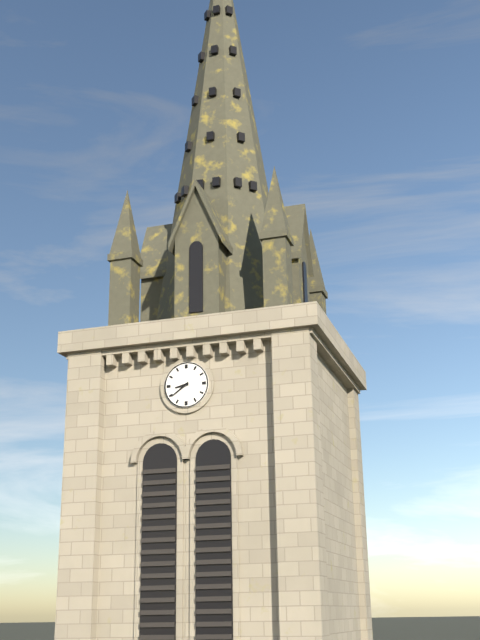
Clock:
8 h 39 min
